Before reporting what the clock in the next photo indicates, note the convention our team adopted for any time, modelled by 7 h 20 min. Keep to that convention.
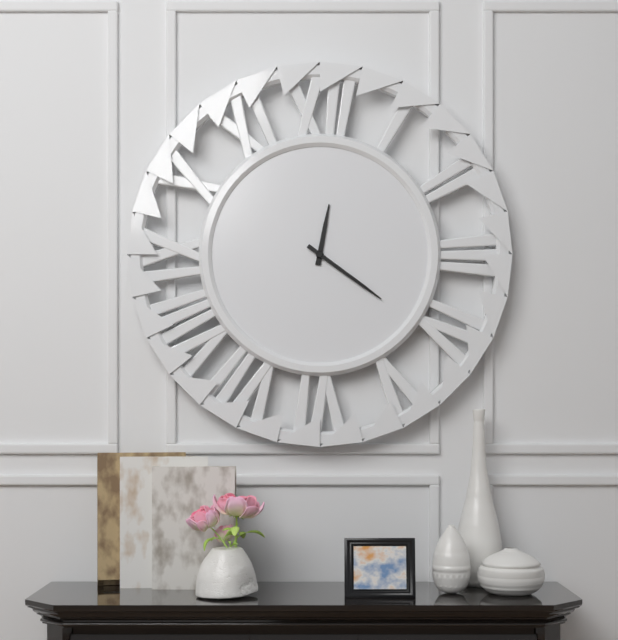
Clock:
12 h 21 min
